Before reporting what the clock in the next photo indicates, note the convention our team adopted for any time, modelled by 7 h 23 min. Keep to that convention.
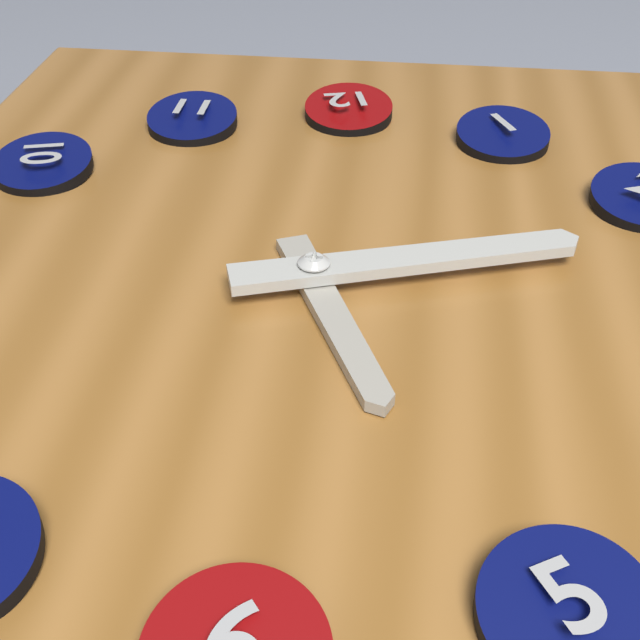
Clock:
5 h 12 min
